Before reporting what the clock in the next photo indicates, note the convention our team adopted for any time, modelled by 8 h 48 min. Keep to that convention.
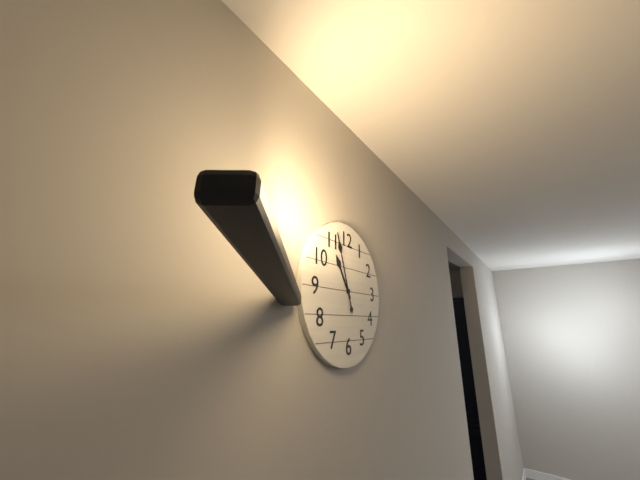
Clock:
10 h 57 min
